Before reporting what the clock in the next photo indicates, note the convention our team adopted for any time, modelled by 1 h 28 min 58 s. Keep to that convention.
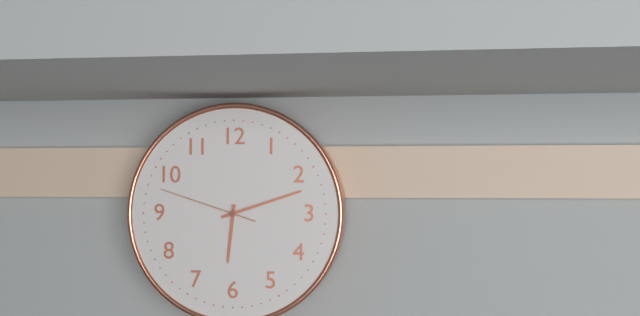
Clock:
6 h 12 min 48 s
